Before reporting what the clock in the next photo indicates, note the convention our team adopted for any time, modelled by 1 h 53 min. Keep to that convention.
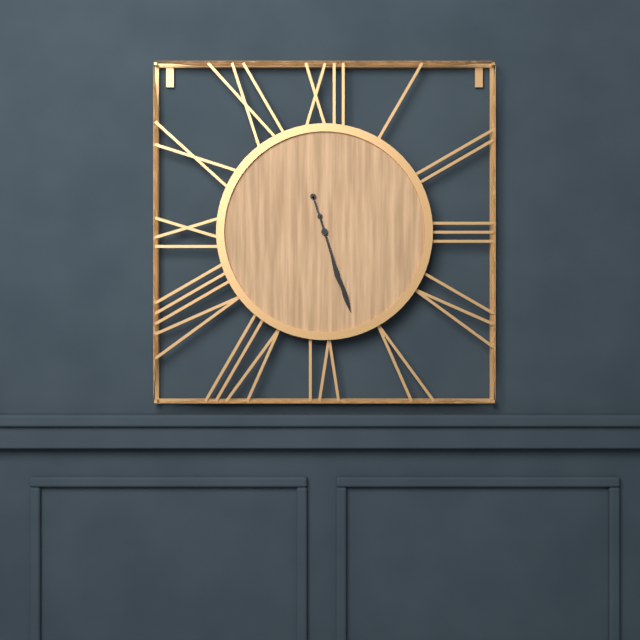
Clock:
5 h 27 min
